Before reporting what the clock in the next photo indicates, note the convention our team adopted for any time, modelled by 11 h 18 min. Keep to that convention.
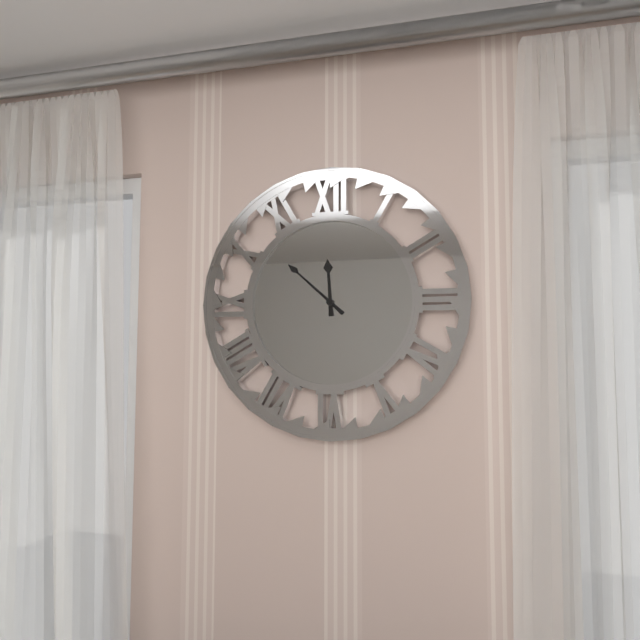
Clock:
11 h 52 min
